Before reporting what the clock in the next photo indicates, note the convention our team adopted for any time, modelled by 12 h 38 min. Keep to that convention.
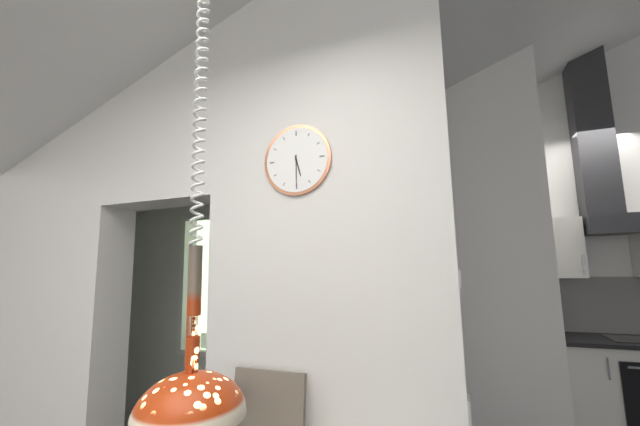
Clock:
5 h 30 min
